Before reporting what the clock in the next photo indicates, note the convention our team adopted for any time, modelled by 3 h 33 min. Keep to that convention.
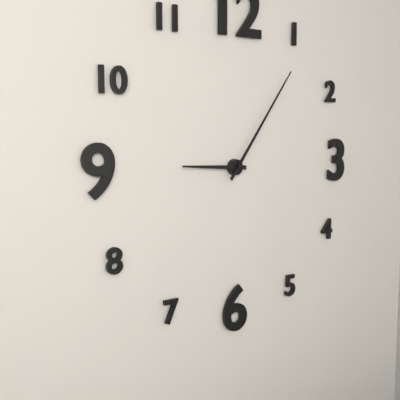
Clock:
9 h 06 min
